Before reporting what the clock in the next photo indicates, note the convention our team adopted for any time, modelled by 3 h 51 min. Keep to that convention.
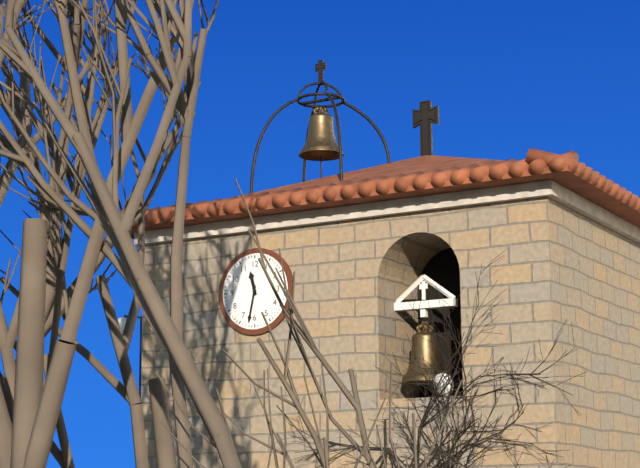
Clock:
11 h 32 min
